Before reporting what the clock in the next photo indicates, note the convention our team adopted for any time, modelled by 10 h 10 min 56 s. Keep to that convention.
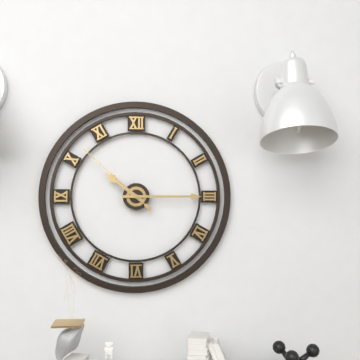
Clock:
10 h 15 min 52 s
